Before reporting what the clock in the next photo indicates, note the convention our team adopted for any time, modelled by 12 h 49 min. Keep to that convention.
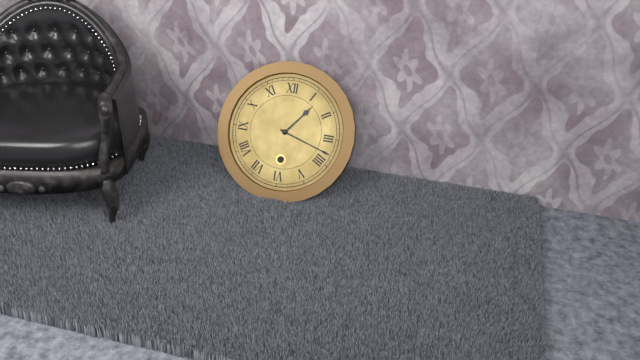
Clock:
1 h 18 min
